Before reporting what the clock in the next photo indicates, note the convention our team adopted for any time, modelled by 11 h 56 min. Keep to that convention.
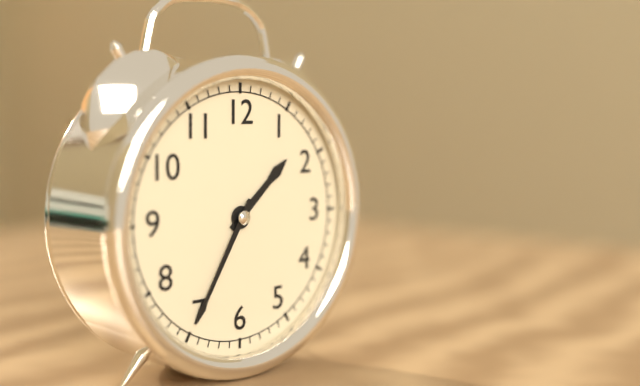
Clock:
1 h 35 min
